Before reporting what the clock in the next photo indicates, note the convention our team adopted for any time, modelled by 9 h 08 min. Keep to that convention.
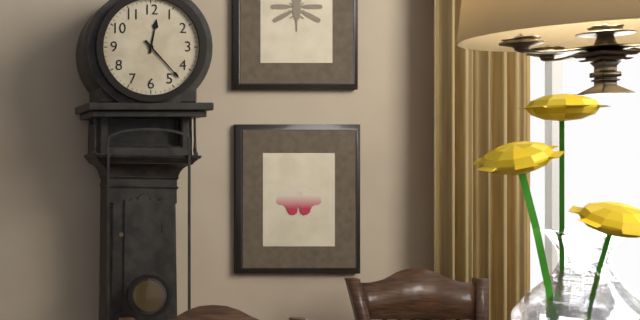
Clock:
12 h 23 min
